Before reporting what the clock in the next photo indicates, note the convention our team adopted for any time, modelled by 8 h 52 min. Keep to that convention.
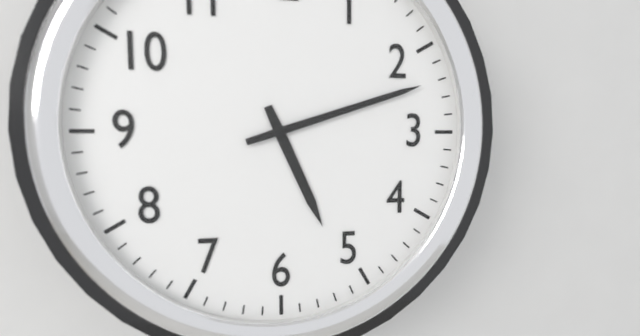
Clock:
5 h 12 min
